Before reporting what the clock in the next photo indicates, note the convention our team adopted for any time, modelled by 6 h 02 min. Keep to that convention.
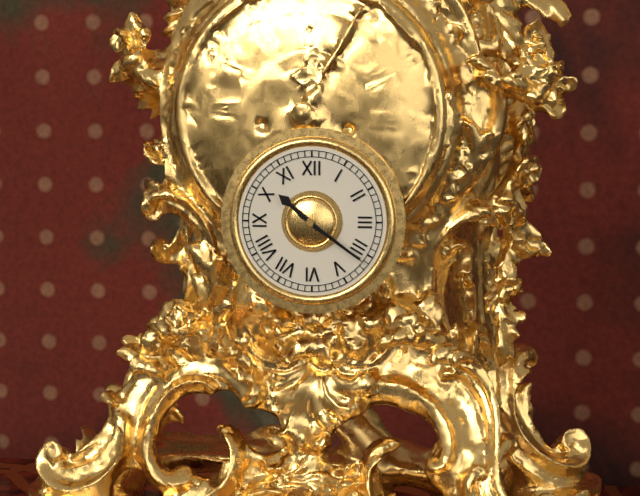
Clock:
10 h 21 min
